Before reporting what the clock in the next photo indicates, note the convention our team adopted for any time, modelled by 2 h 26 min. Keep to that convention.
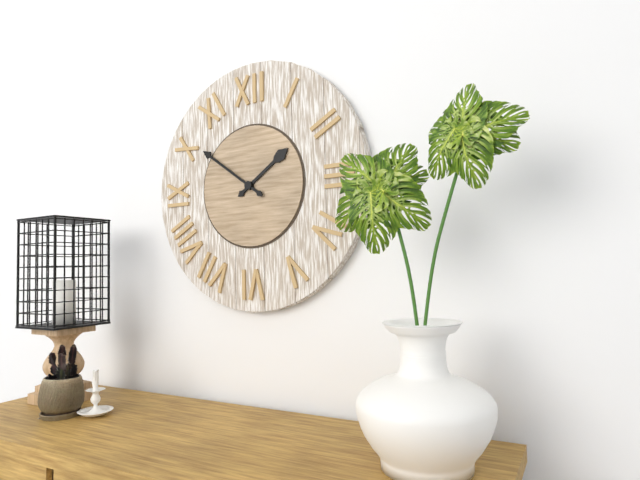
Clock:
1 h 51 min
